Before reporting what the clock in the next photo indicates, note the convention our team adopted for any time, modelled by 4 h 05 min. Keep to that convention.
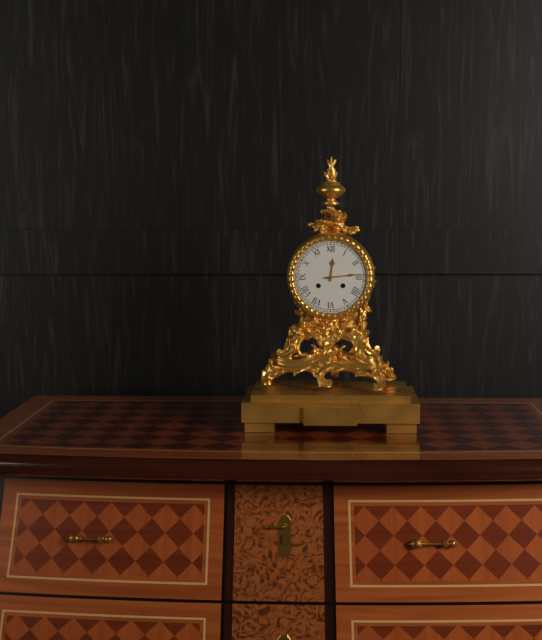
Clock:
12 h 14 min
